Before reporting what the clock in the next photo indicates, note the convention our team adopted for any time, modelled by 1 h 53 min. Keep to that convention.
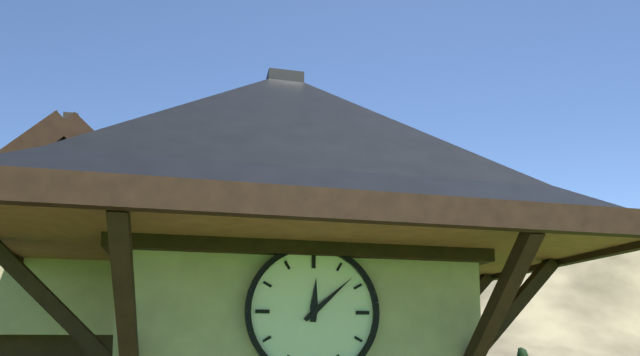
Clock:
12 h 08 min
